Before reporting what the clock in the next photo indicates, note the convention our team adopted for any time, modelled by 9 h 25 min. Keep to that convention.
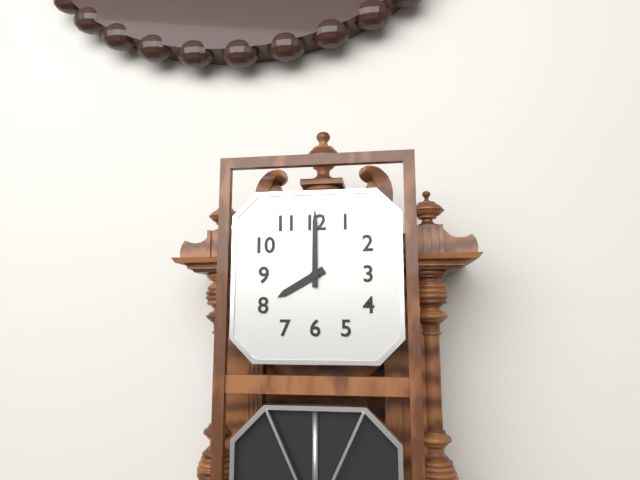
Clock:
8 h 00 min
